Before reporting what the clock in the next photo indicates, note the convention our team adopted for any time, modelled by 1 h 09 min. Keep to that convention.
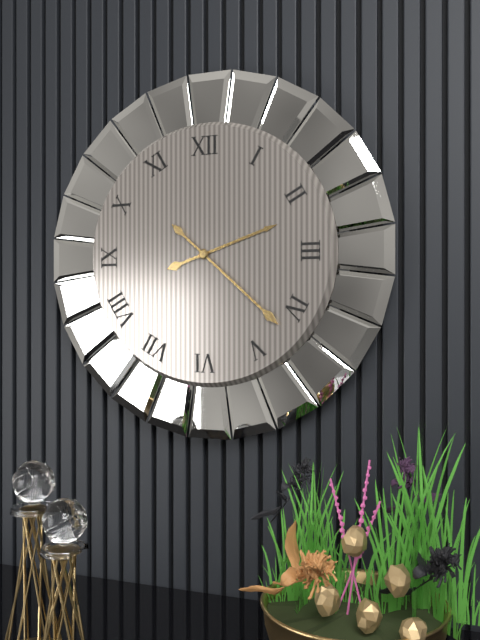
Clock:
2 h 22 min
